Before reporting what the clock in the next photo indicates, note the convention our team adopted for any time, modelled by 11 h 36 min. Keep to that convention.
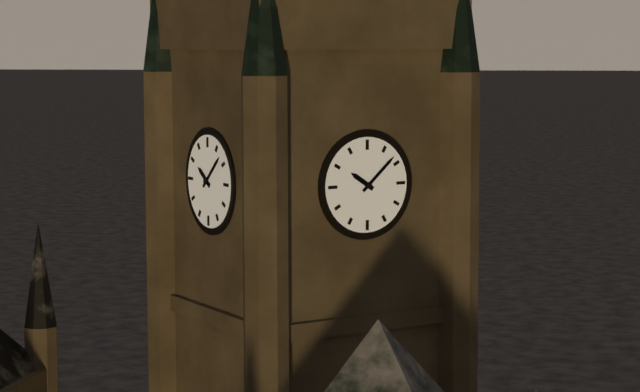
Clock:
10 h 08 min
